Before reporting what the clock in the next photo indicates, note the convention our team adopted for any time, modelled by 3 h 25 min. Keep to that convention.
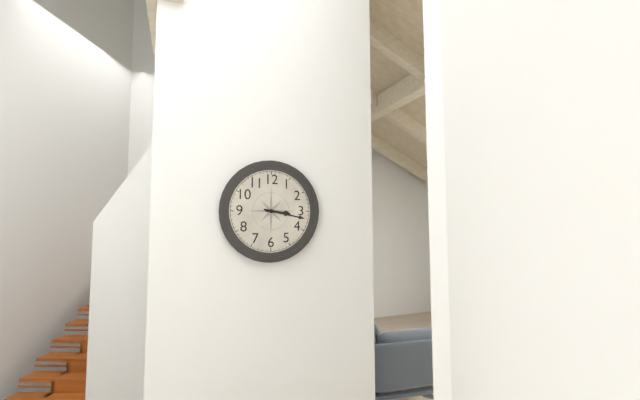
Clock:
3 h 17 min
